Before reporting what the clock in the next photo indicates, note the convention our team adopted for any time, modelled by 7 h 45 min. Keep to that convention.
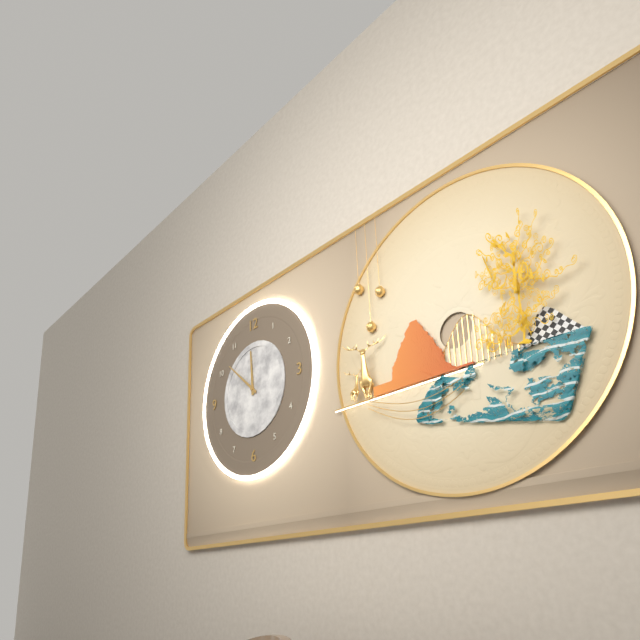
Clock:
11 h 52 min
